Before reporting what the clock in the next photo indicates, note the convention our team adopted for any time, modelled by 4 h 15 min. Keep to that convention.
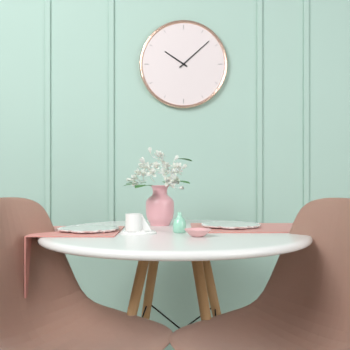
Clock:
10 h 08 min
